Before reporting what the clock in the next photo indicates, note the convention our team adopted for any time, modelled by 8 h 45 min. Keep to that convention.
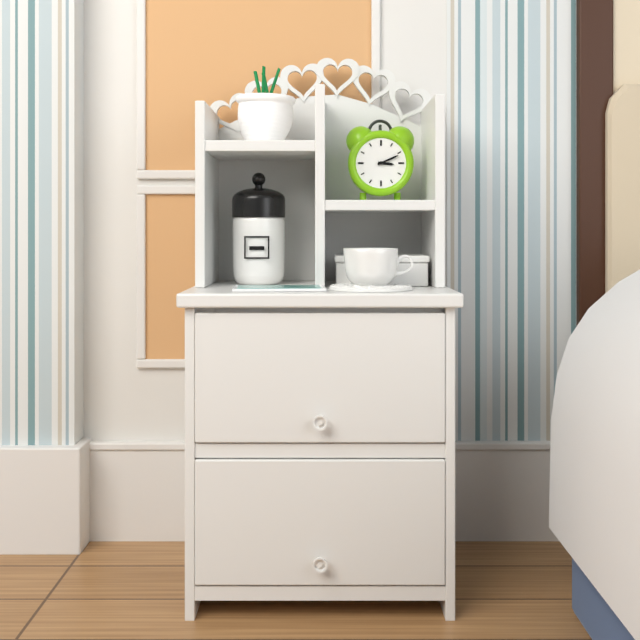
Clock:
3 h 11 min
